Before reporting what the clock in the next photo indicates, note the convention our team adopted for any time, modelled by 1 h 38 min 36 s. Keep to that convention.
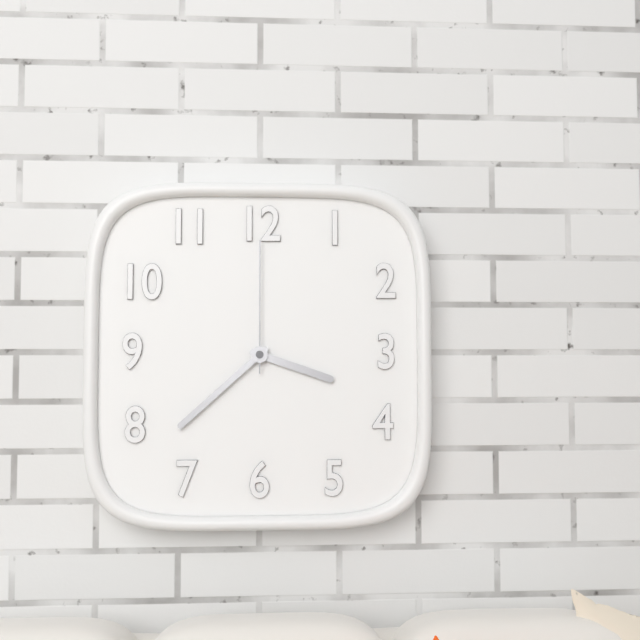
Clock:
3 h 38 min 00 s
